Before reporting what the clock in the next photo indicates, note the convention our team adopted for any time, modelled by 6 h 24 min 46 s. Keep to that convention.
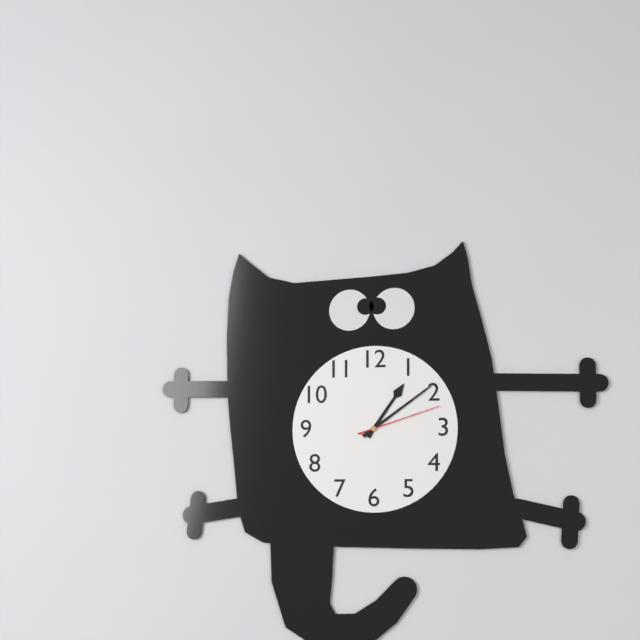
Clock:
1 h 09 min 12 s
